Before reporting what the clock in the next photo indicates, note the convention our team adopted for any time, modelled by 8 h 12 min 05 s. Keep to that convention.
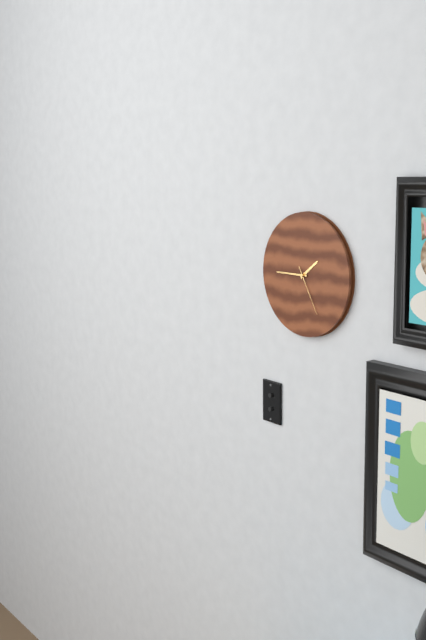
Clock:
1 h 45 min 25 s
